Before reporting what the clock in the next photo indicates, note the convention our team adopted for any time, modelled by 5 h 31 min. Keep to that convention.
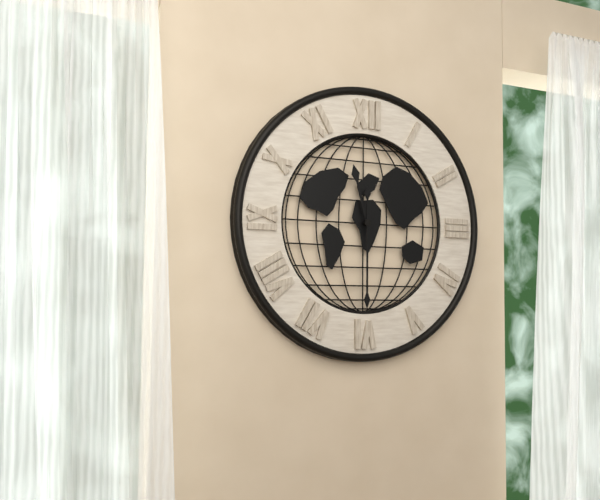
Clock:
11 h 30 min
